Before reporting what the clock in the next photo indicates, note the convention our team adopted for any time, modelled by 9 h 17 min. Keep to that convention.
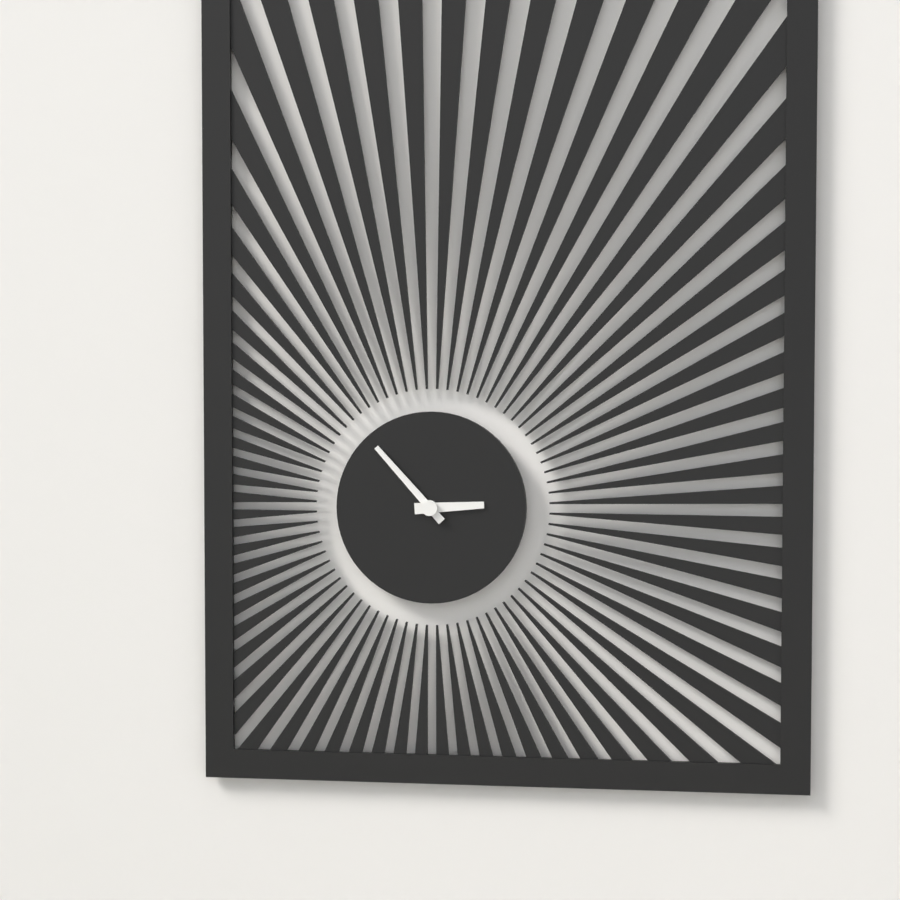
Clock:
2 h 53 min
